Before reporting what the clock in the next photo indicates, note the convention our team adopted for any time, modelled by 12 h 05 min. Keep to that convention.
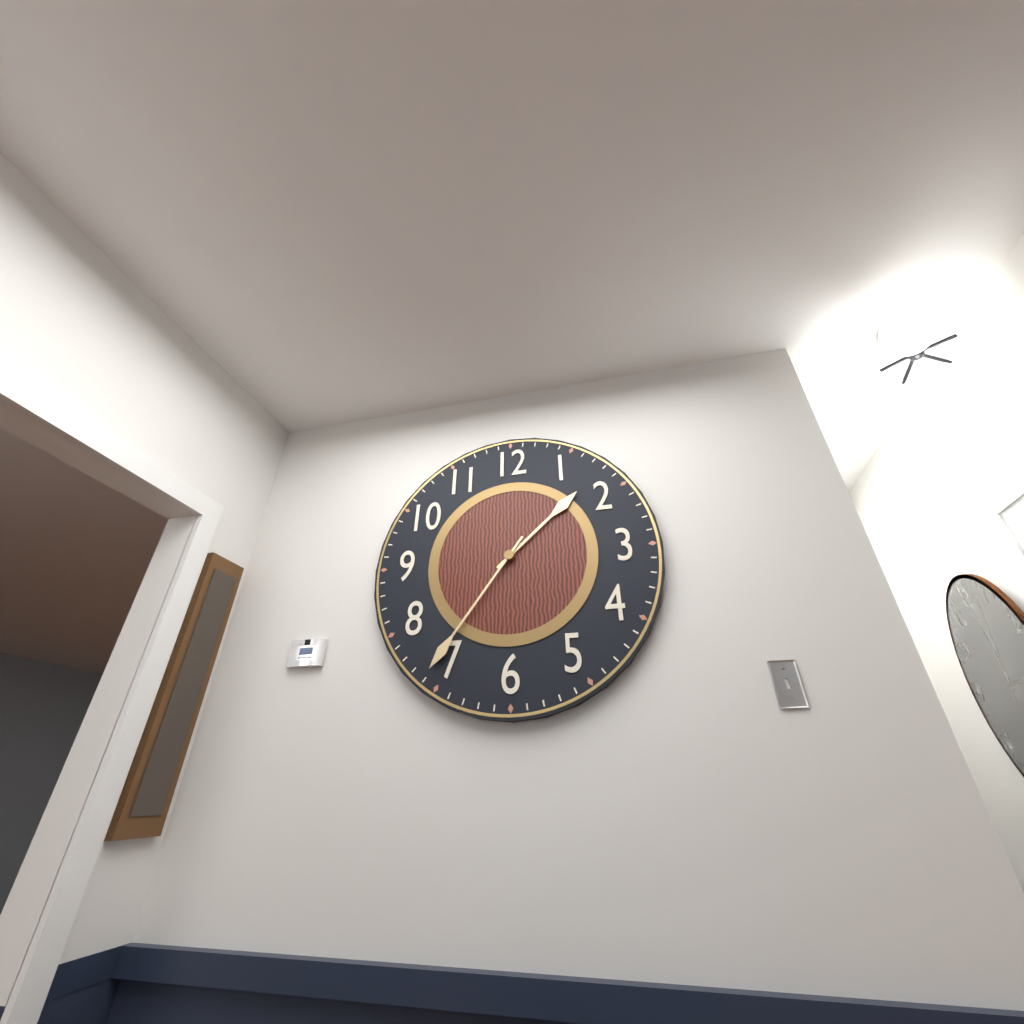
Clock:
1 h 36 min
